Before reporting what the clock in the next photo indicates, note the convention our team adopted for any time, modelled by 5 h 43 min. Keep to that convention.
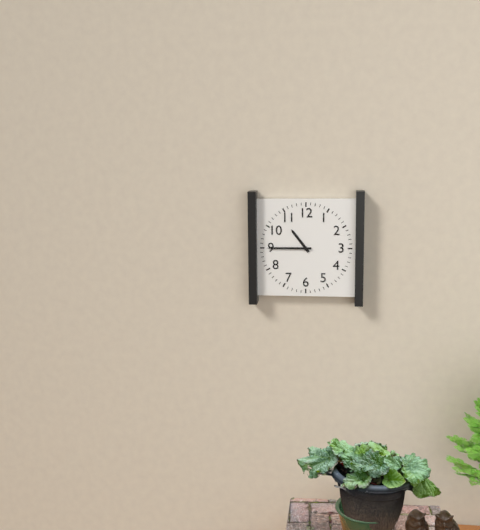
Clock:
10 h 45 min
